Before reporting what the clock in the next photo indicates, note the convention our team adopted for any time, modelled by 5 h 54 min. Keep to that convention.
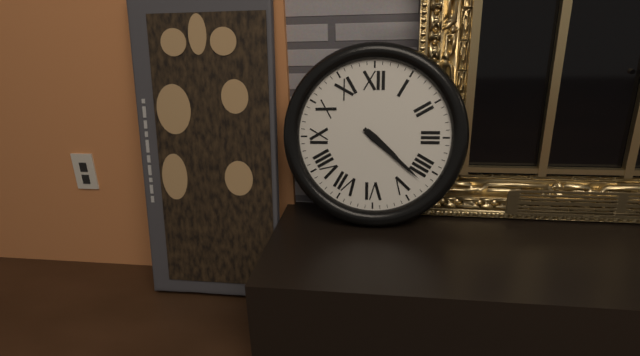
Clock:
4 h 22 min
